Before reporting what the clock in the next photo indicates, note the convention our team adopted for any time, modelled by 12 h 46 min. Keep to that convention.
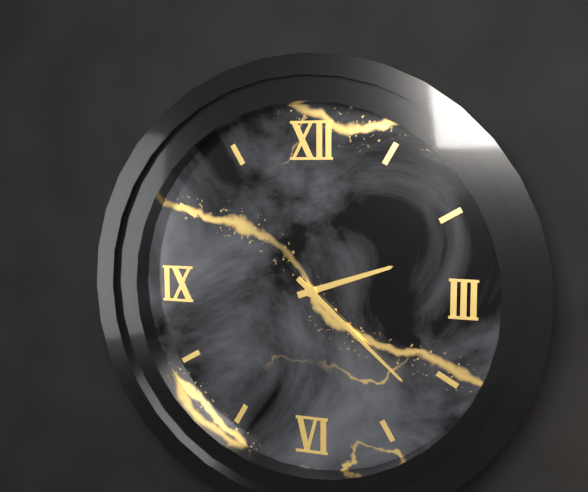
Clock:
2 h 22 min
